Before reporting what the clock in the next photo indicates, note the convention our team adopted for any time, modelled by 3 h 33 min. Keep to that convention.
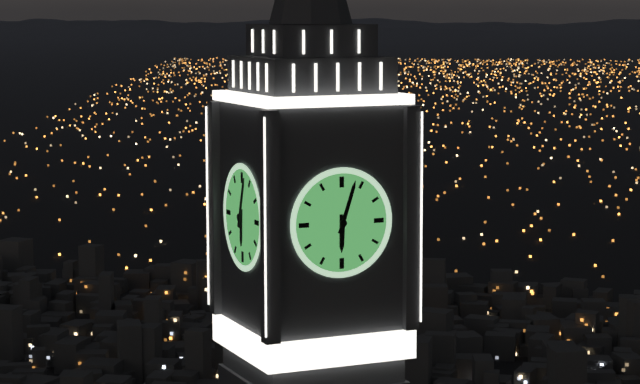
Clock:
6 h 03 min
